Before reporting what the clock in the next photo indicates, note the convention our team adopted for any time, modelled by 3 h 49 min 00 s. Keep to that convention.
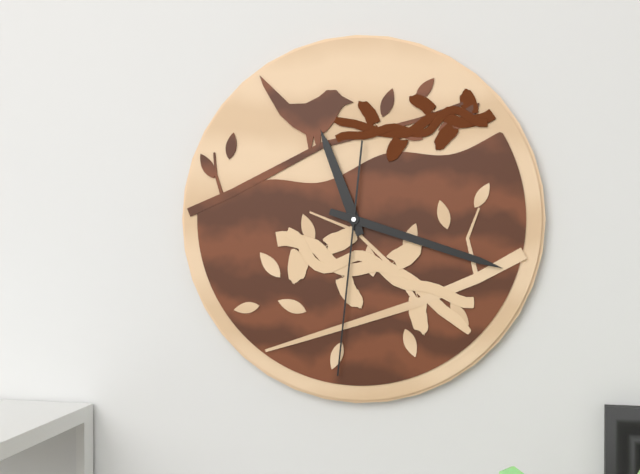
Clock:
11 h 18 min 31 s
